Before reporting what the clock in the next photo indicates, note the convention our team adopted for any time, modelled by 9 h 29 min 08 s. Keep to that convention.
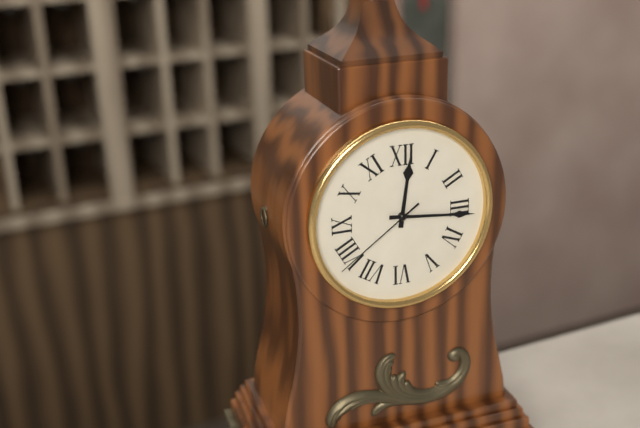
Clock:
12 h 16 min 39 s
